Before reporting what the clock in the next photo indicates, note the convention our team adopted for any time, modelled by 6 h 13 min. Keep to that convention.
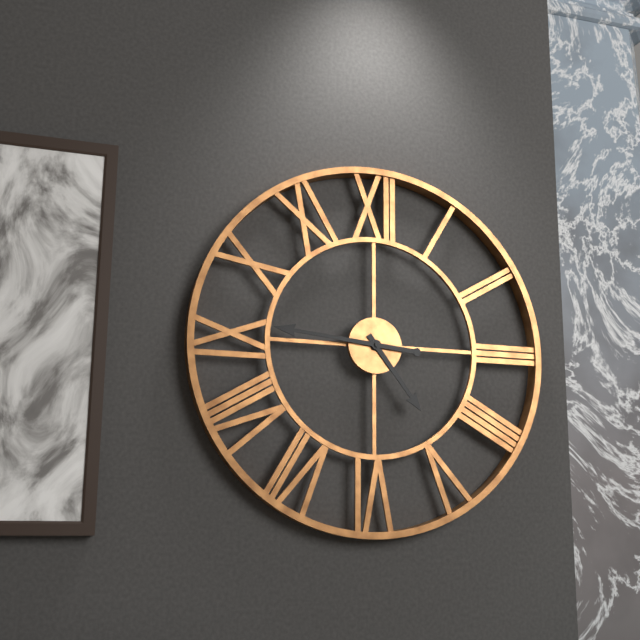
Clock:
4 h 46 min
